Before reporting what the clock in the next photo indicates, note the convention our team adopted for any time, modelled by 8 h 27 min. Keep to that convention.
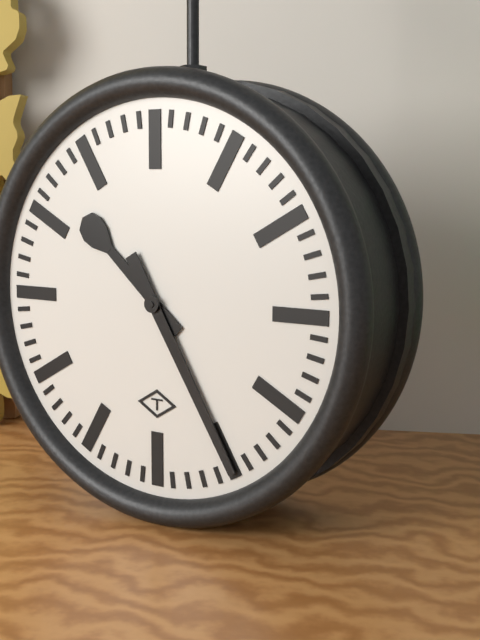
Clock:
10 h 25 min
